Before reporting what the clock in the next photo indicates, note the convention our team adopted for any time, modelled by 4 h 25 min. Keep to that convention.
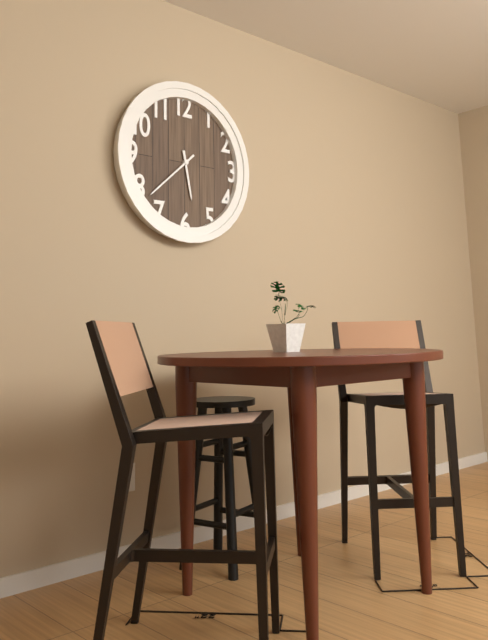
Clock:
5 h 38 min
